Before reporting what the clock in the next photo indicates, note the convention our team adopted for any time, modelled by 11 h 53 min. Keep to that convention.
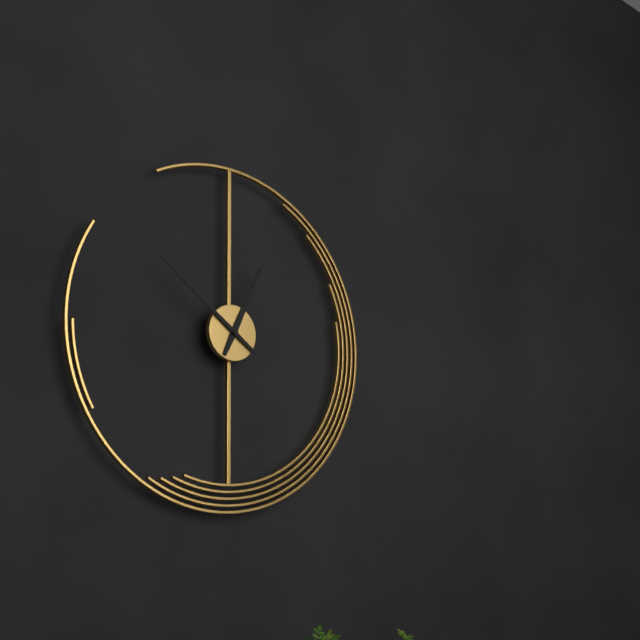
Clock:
12 h 51 min
